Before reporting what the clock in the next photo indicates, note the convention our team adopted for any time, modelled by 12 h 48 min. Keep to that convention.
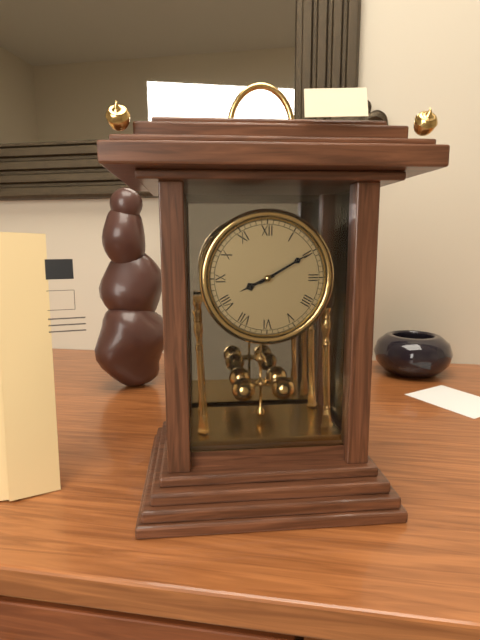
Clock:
8 h 10 min
